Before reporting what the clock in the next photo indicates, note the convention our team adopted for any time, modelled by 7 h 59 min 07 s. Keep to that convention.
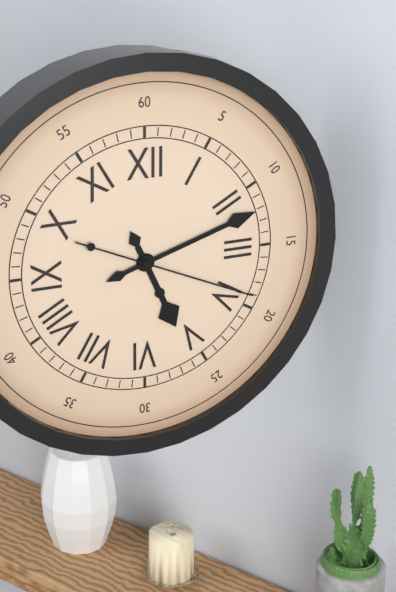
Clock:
5 h 12 min 19 s
